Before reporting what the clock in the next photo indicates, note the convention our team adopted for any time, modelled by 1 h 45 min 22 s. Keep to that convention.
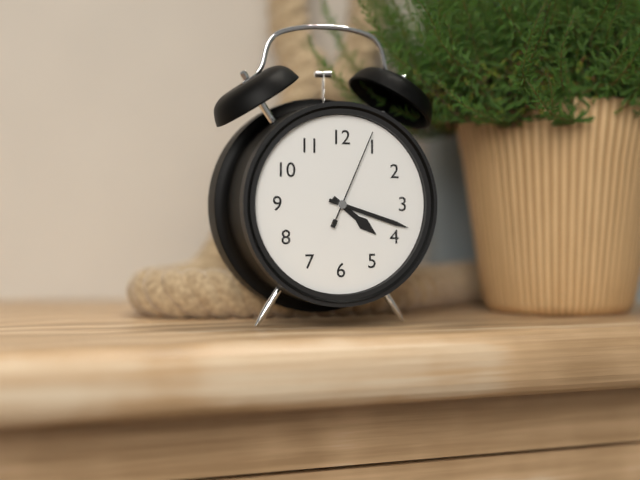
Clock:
4 h 18 min 04 s
